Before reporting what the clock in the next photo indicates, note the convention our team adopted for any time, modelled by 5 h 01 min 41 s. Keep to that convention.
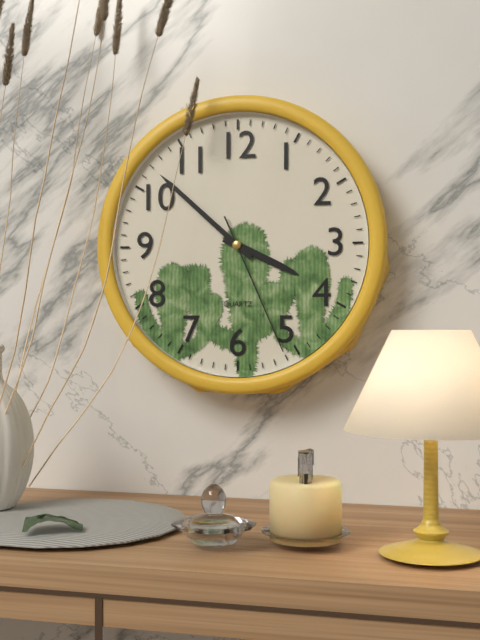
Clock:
3 h 52 min 26 s
